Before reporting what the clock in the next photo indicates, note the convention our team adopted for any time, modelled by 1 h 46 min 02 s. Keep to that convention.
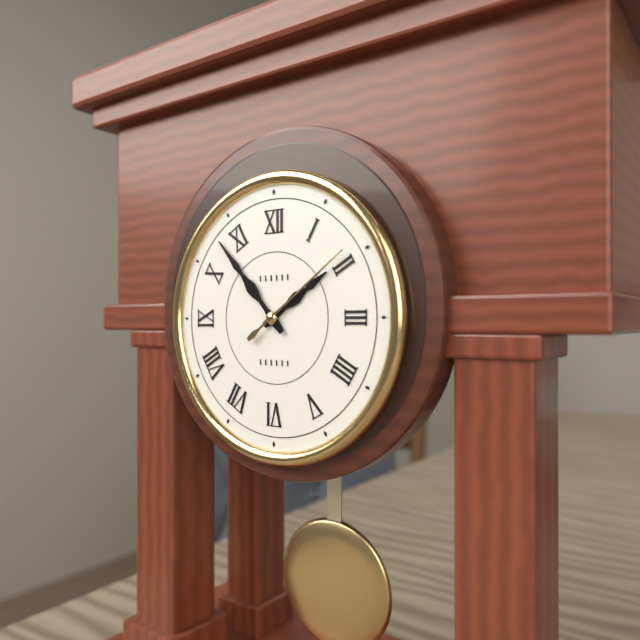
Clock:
1 h 53 min 09 s
